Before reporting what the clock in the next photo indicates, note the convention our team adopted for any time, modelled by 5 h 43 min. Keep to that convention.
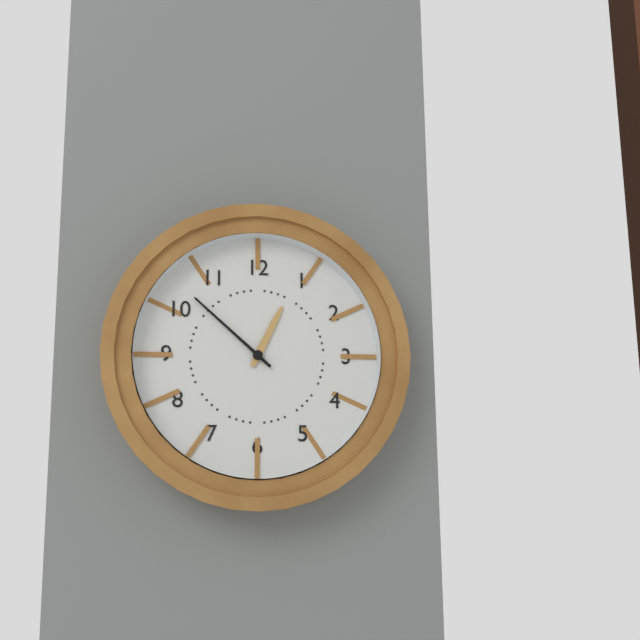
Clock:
12 h 52 min
